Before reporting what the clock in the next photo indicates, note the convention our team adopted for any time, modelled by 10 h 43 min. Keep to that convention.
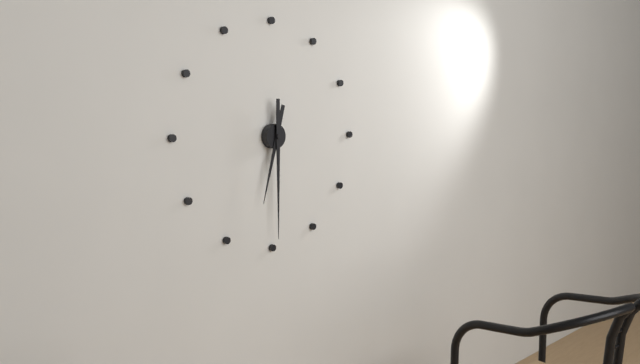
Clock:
6 h 30 min
